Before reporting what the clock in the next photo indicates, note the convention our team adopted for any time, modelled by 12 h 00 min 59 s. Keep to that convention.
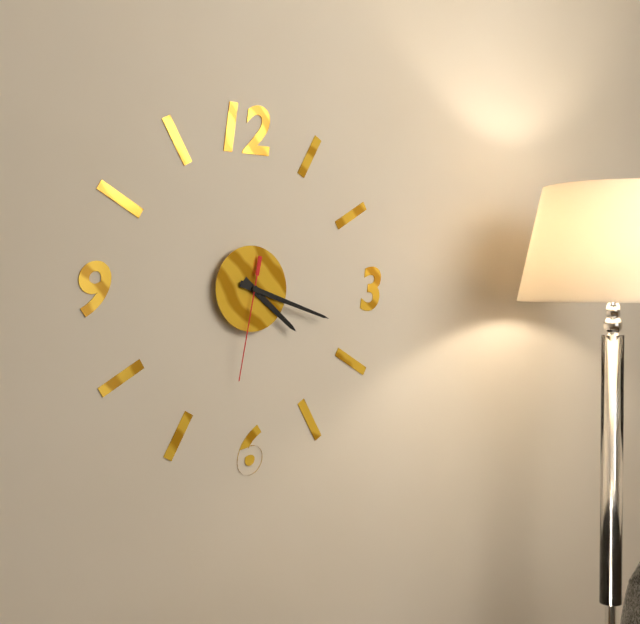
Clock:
4 h 18 min 32 s
